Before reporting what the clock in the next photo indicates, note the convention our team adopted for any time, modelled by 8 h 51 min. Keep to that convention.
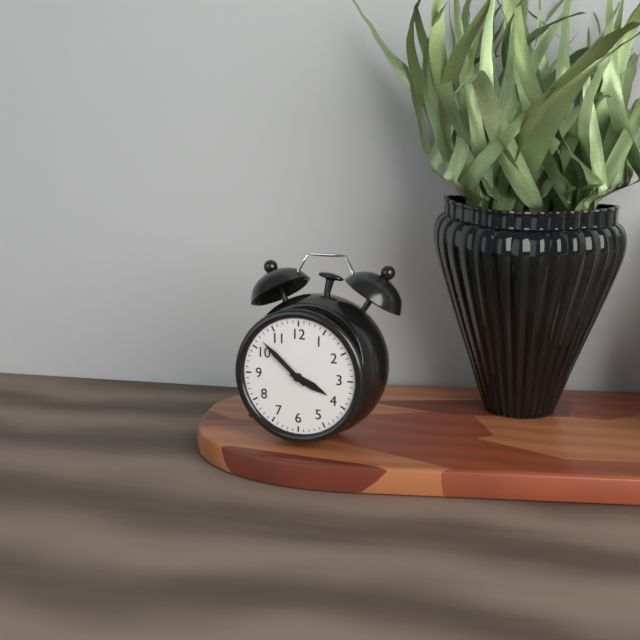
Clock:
3 h 52 min
